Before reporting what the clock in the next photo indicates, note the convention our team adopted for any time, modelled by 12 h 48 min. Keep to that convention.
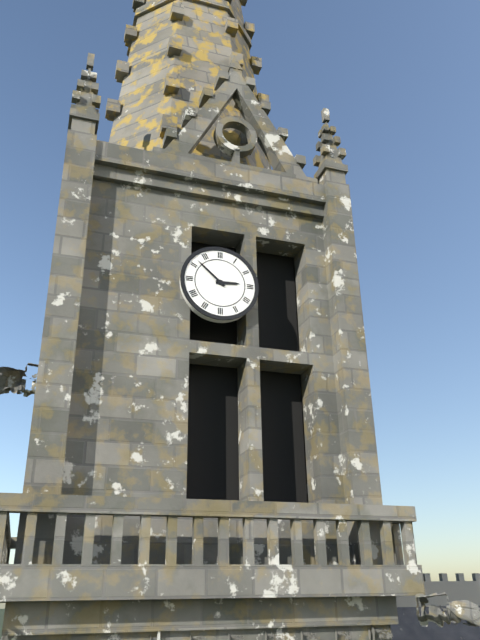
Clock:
2 h 52 min
